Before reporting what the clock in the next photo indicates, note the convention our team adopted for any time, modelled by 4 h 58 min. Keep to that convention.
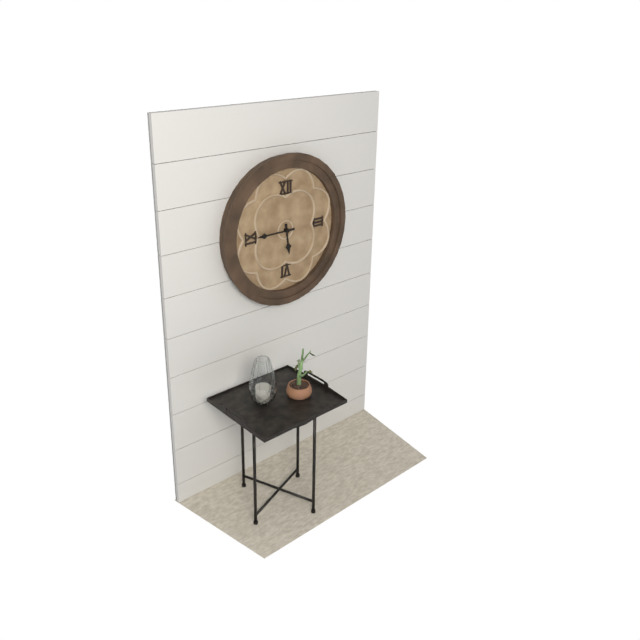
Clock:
5 h 45 min
